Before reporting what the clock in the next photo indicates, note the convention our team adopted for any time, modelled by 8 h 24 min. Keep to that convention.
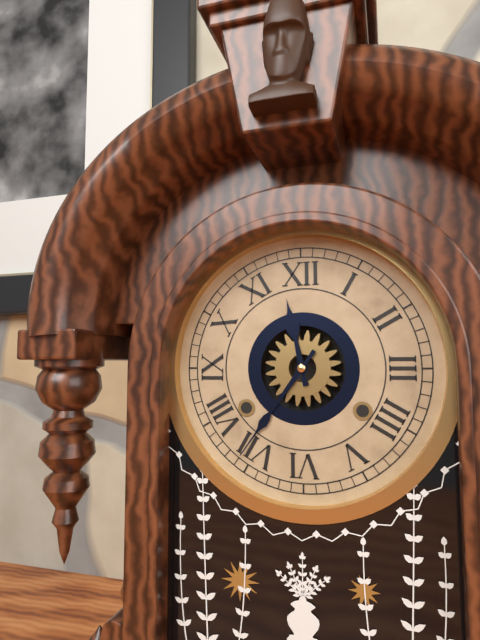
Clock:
11 h 36 min
